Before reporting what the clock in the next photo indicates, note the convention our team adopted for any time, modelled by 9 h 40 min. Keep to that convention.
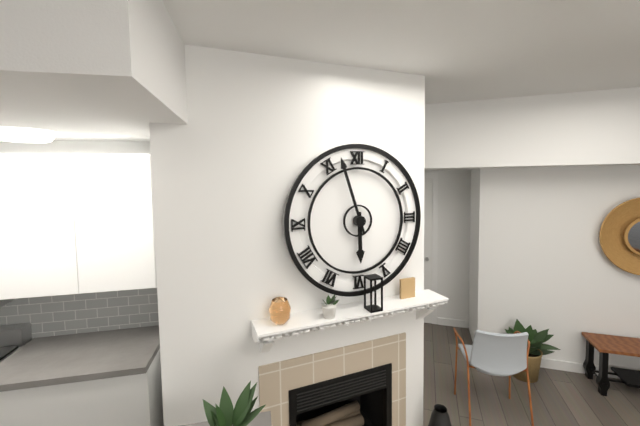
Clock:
5 h 57 min
